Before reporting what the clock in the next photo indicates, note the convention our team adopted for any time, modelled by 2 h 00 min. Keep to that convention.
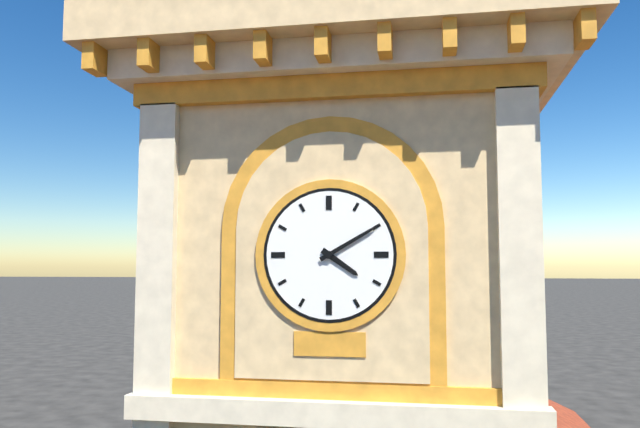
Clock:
4 h 10 min
